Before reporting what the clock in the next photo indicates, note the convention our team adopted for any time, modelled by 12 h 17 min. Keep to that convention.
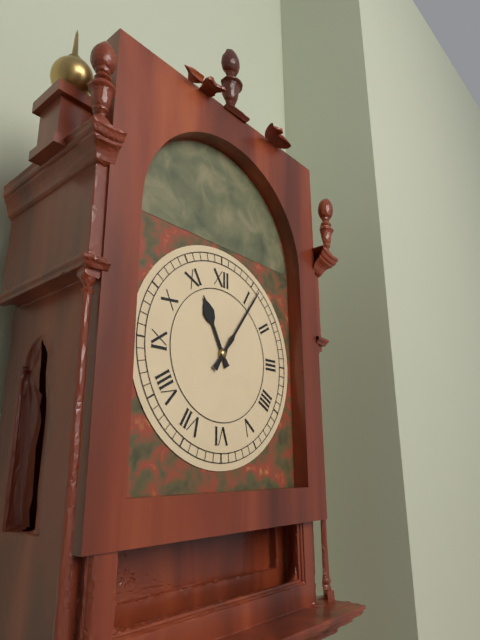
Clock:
11 h 06 min
